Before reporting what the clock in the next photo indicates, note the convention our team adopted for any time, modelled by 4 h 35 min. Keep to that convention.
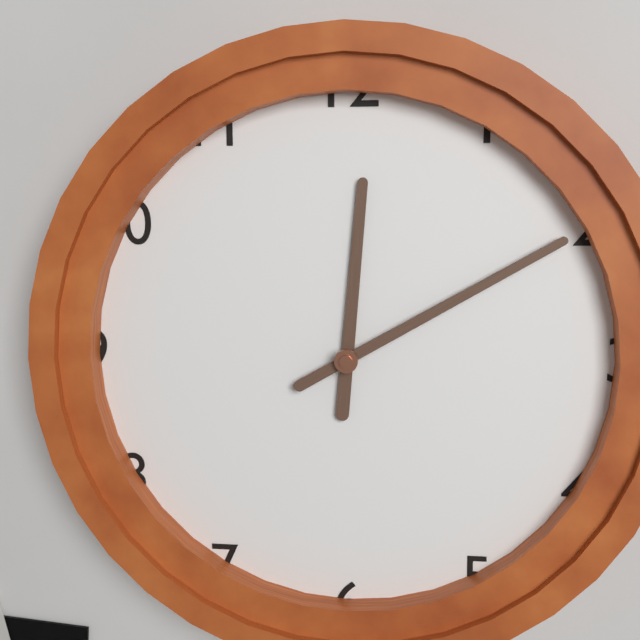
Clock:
12 h 10 min
